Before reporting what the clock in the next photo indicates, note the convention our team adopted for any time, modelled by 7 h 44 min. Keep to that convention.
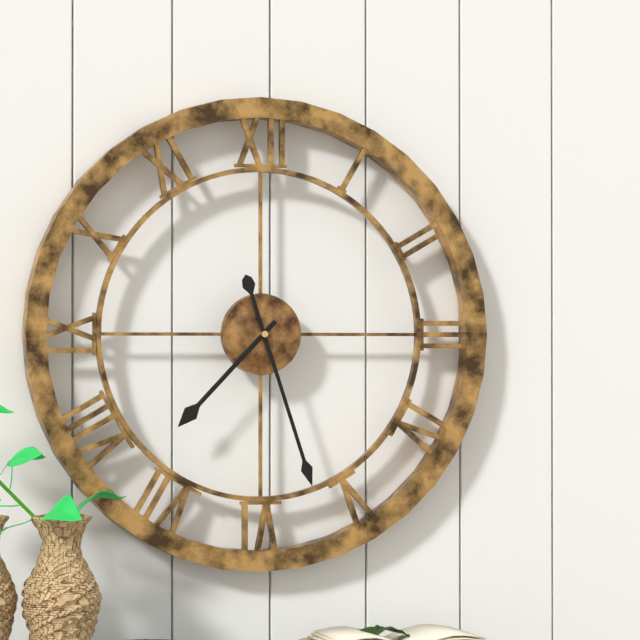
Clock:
7 h 27 min
